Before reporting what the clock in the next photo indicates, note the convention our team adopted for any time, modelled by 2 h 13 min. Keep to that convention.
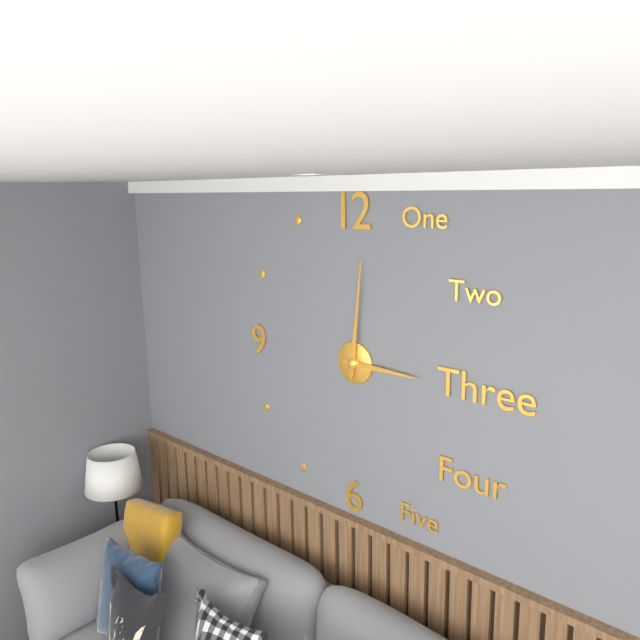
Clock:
3 h 01 min
